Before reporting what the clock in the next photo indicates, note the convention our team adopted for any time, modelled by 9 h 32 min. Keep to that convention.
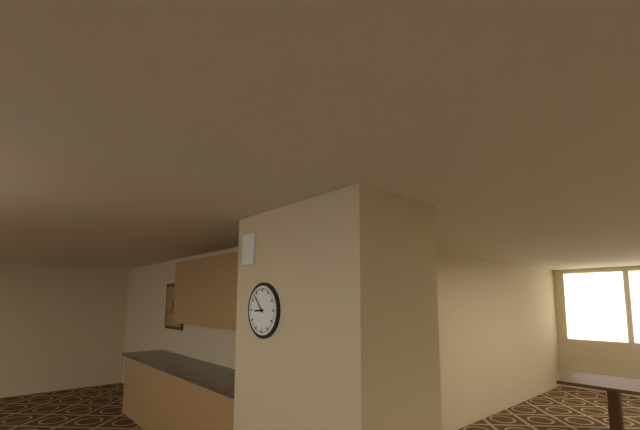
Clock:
8 h 53 min
